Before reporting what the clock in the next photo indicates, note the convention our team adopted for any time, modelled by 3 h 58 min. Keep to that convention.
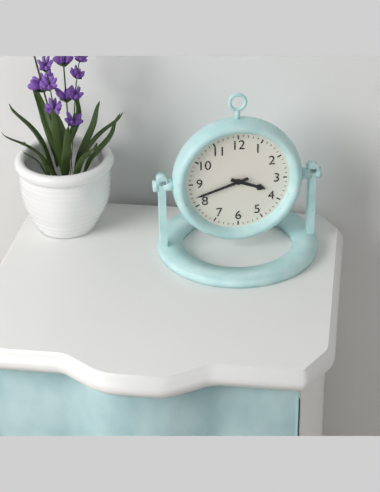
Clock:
3 h 42 min
